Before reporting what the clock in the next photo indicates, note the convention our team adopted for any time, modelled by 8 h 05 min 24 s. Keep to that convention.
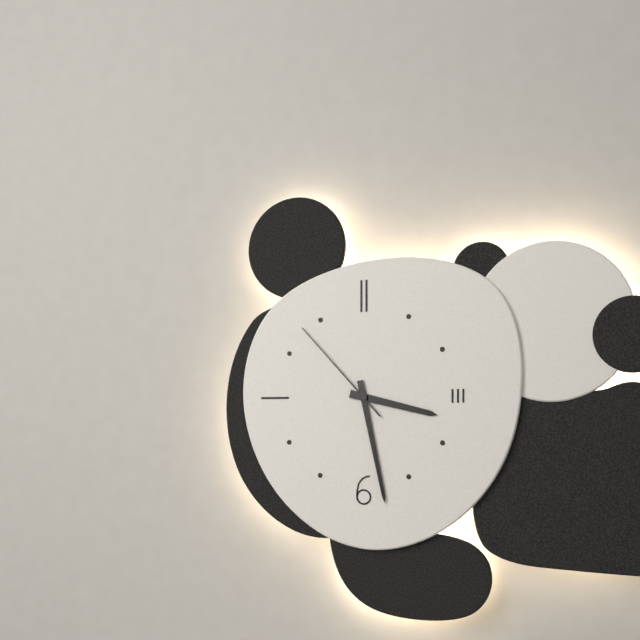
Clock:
3 h 28 min 53 s
